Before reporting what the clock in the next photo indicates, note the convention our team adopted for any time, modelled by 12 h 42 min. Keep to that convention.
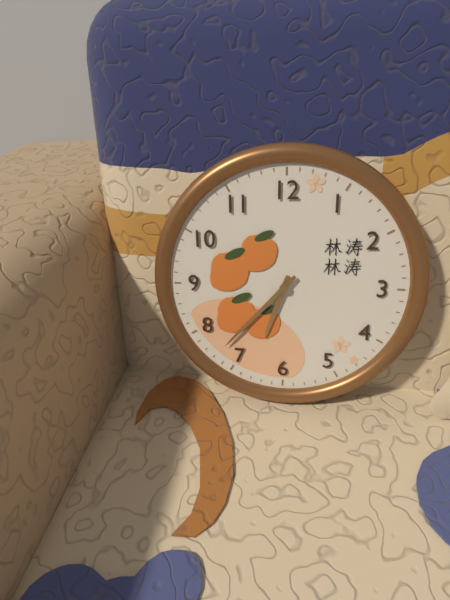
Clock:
6 h 37 min
